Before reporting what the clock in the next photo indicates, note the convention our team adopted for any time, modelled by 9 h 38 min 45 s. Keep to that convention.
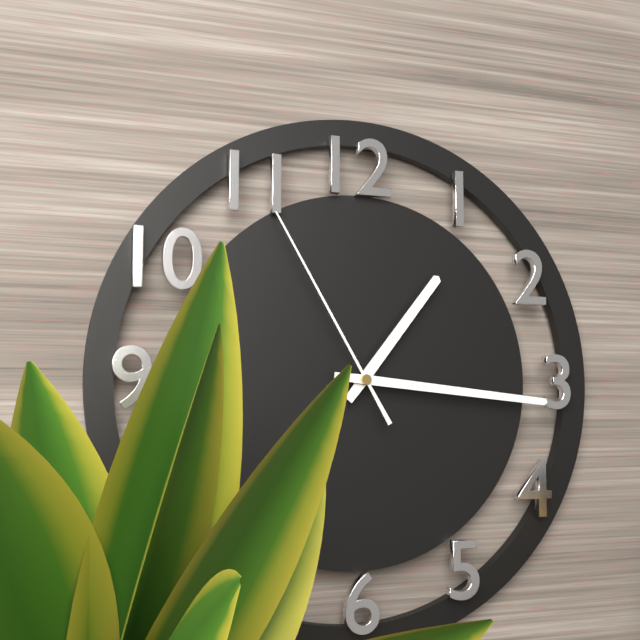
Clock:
1 h 16 min 55 s
